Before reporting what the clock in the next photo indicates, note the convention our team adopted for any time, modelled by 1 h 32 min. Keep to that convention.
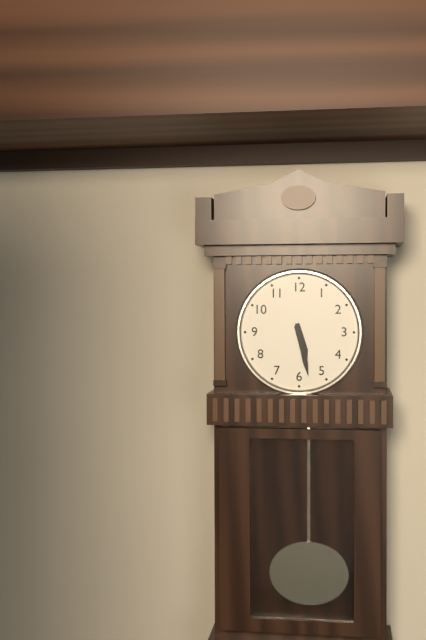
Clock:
5 h 28 min
